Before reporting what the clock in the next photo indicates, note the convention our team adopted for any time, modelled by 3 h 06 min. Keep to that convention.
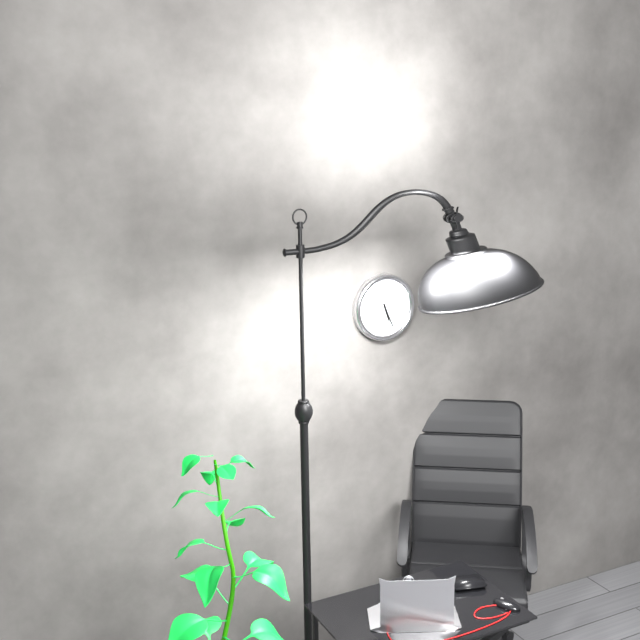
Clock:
5 h 26 min
